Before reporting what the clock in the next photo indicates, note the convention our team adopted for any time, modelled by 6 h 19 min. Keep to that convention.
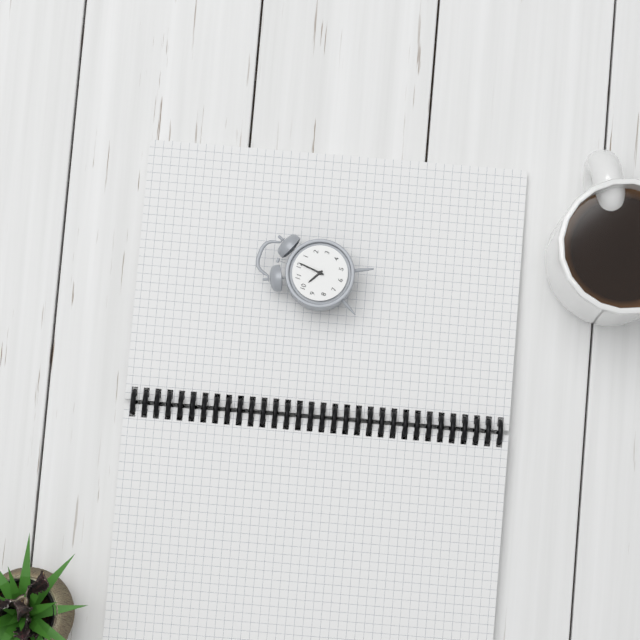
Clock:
10 h 01 min
